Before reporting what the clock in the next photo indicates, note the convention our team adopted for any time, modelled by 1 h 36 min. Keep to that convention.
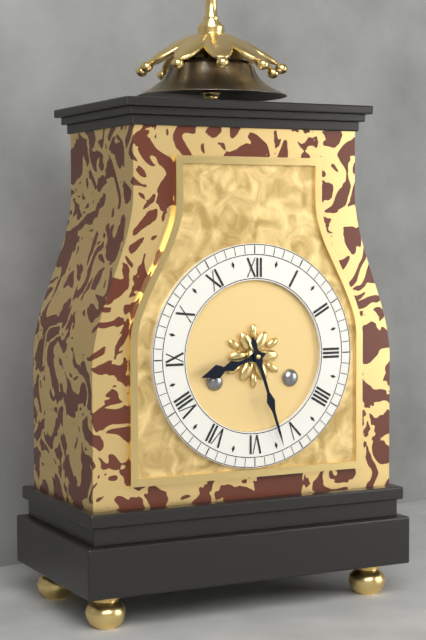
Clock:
8 h 27 min
